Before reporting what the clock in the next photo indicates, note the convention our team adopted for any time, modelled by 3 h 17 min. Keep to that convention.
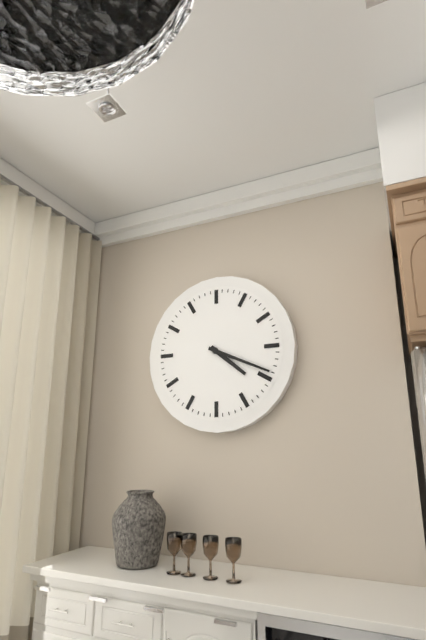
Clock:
4 h 19 min
